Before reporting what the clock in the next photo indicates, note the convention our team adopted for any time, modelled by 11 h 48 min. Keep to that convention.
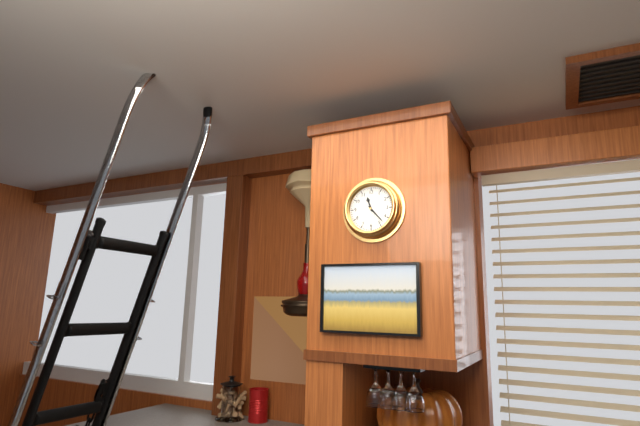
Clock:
11 h 23 min
